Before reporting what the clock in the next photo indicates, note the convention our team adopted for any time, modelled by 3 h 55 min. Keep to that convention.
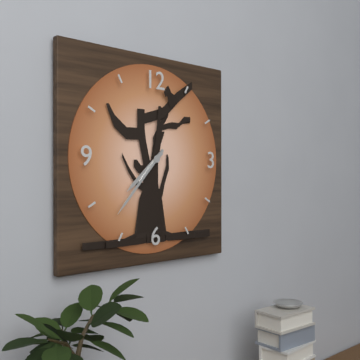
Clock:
7 h 37 min
